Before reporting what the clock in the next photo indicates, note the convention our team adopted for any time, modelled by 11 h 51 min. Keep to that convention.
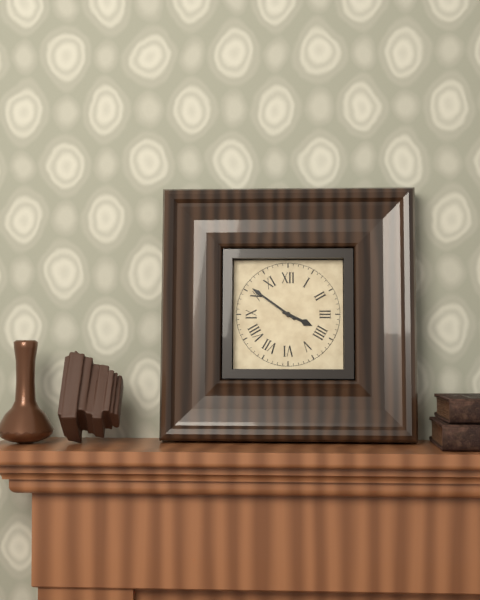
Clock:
3 h 51 min
